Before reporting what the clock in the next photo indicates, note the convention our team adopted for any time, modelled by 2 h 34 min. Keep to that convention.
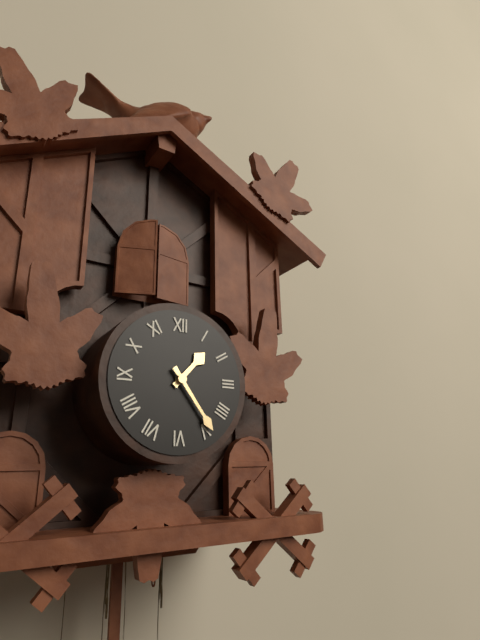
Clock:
1 h 24 min
